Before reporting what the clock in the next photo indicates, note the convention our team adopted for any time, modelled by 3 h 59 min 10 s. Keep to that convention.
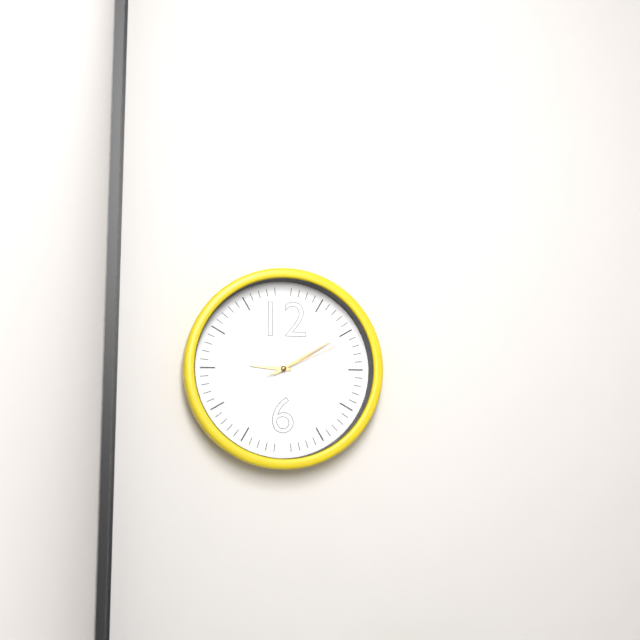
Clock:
9 h 10 min 11 s
